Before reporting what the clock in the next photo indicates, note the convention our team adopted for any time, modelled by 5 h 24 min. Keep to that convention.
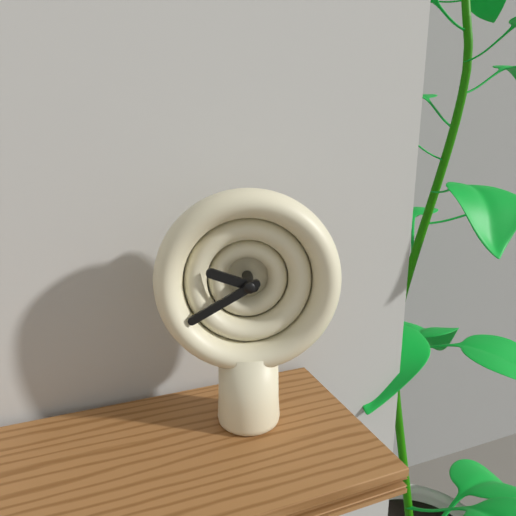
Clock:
9 h 40 min
